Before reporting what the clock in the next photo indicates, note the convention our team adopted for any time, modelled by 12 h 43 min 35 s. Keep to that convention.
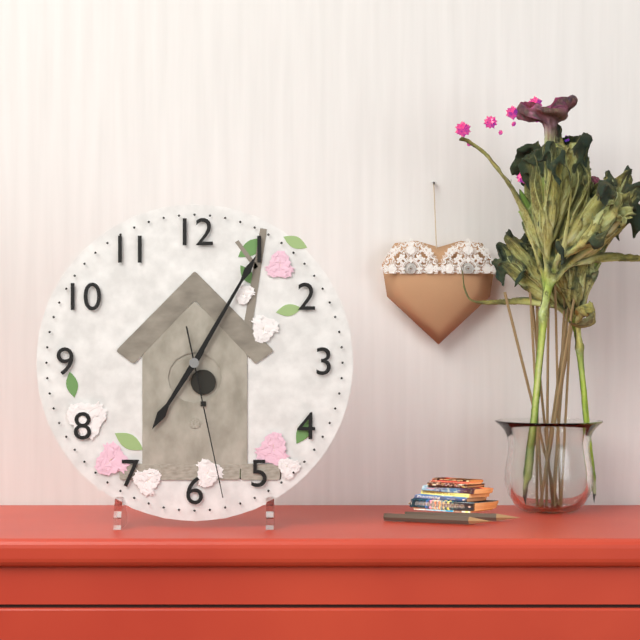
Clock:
7 h 05 min 28 s
